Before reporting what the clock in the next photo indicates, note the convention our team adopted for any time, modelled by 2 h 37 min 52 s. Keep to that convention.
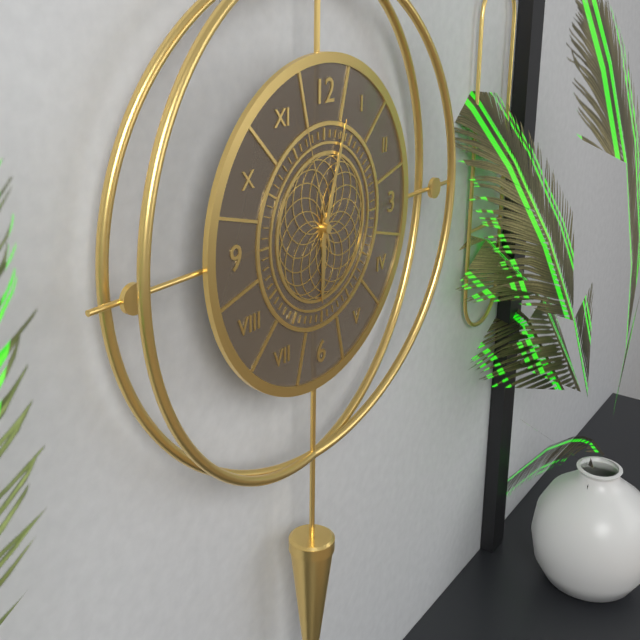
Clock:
6 h 03 min 57 s
